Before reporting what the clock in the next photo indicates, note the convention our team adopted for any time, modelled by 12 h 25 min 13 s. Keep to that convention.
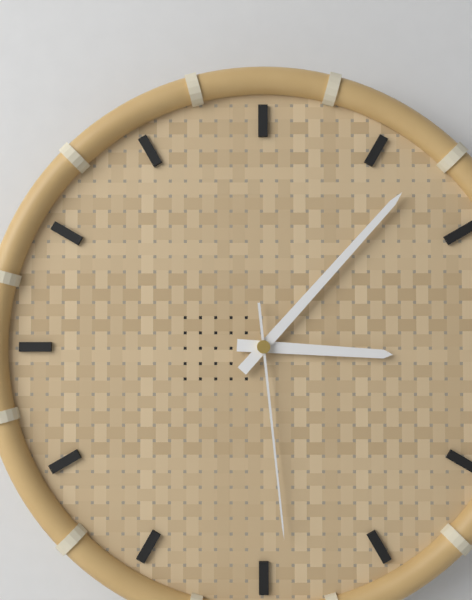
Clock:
3 h 07 min 29 s
